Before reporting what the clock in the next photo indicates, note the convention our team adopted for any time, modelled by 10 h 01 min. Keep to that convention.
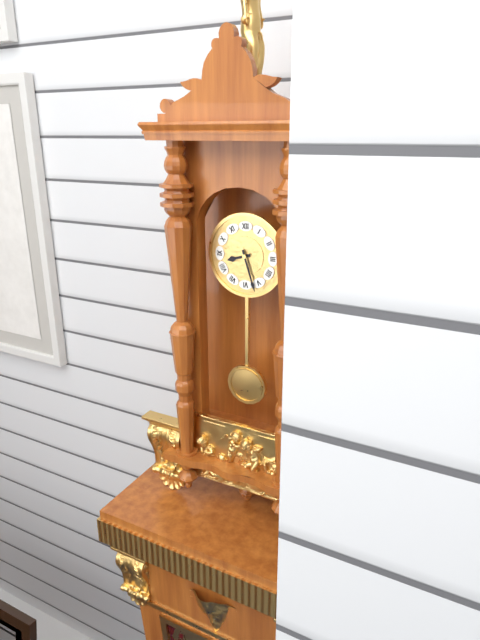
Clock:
8 h 27 min
